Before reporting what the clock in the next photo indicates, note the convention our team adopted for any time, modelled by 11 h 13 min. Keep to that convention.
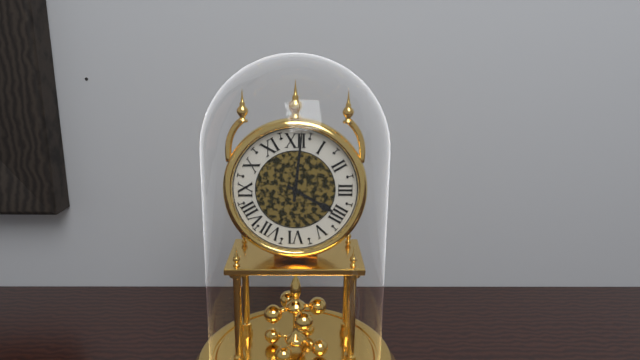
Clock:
4 h 01 min
